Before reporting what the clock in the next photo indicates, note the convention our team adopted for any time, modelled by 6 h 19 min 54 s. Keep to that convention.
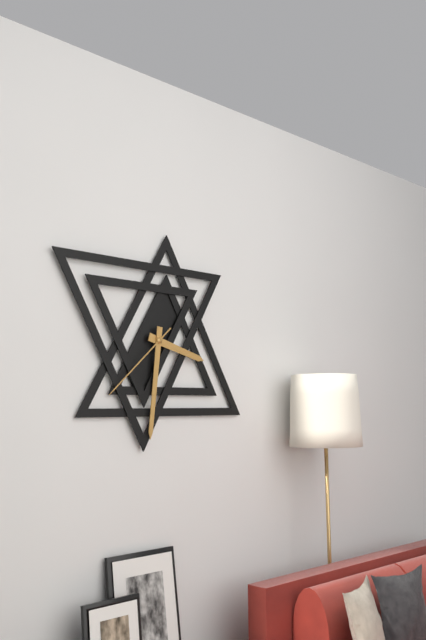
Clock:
3 h 31 min 38 s
